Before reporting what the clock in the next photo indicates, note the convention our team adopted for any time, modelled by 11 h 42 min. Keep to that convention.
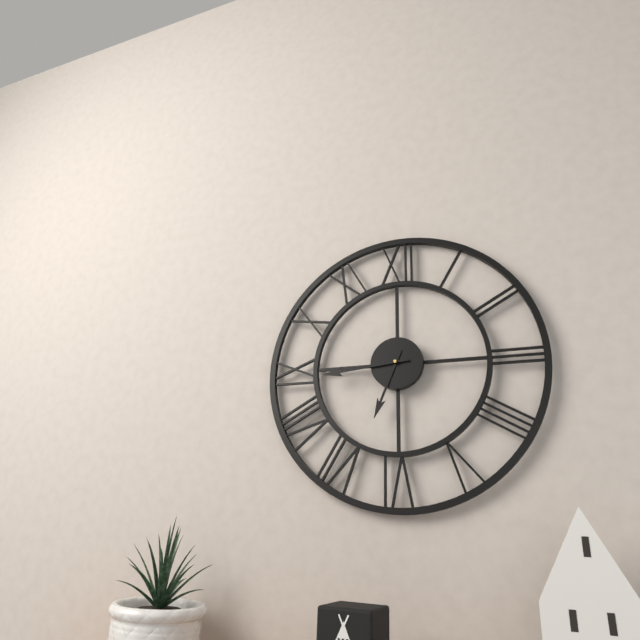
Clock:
6 h 44 min
